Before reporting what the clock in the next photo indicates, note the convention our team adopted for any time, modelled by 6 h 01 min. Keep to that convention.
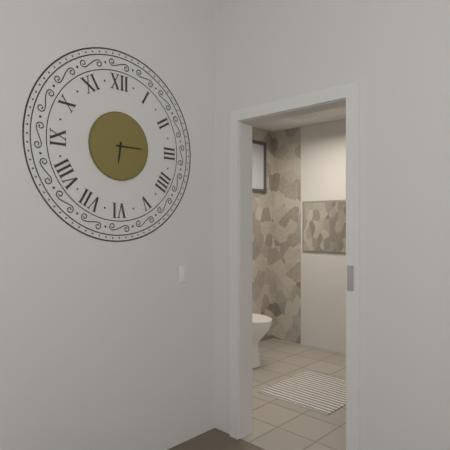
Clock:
6 h 15 min
